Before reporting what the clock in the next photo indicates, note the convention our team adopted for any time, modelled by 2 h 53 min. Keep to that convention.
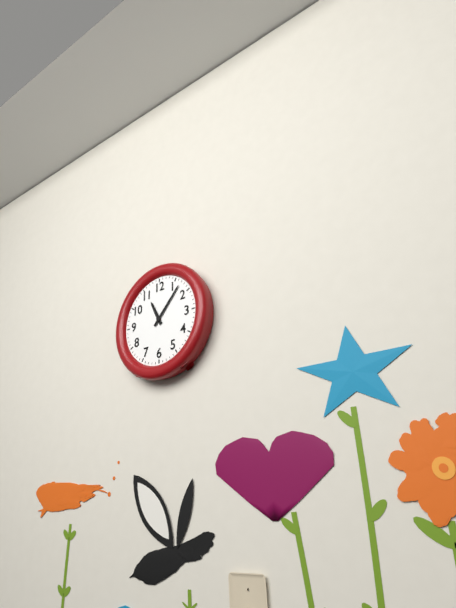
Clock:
11 h 07 min
